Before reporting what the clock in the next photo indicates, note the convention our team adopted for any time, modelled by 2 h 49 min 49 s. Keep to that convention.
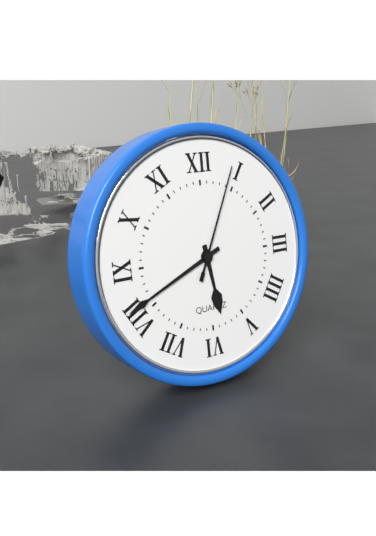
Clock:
5 h 41 min 04 s
